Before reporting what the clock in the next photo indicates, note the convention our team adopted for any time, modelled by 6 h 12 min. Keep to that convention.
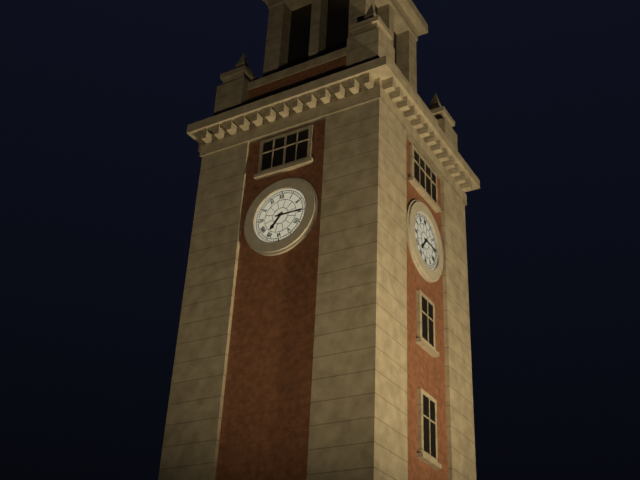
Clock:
7 h 15 min
